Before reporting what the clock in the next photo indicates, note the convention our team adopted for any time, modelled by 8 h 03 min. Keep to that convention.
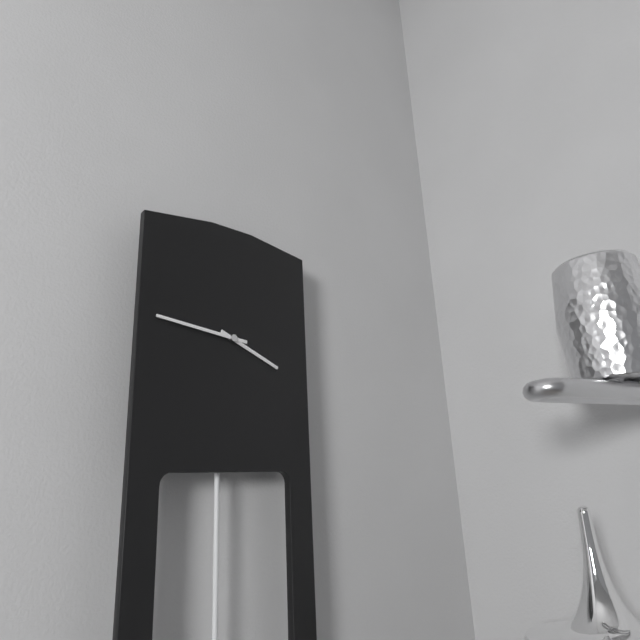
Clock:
3 h 46 min
